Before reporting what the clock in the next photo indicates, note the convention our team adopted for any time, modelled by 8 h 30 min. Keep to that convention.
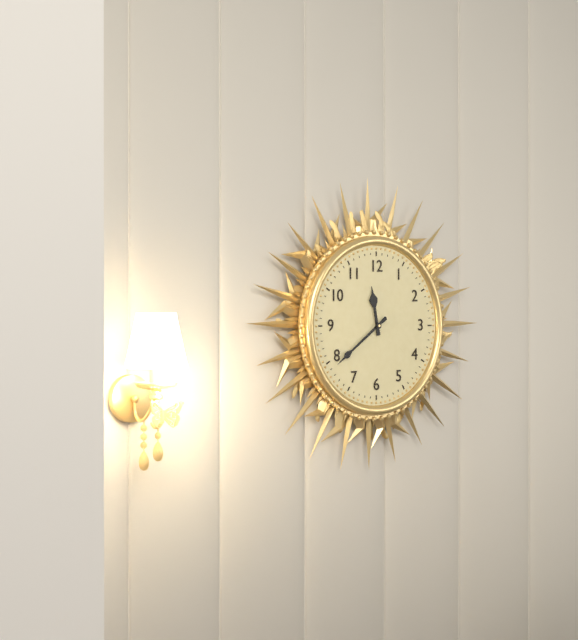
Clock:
11 h 39 min
